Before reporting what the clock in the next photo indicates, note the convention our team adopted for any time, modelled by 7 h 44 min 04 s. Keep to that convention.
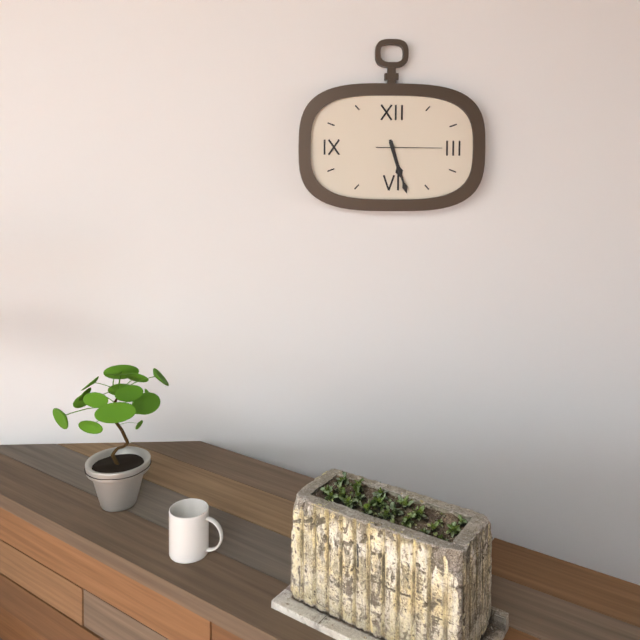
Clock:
5 h 27 min 15 s
